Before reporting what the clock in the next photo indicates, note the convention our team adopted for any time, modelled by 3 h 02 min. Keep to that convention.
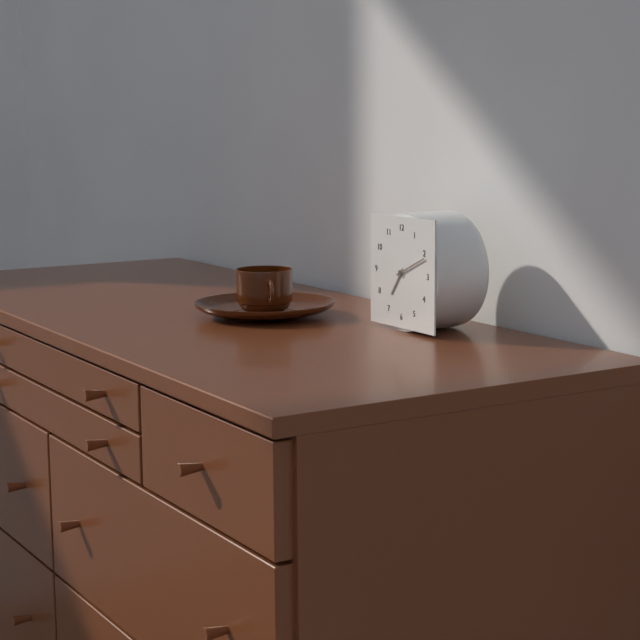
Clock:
7 h 11 min
